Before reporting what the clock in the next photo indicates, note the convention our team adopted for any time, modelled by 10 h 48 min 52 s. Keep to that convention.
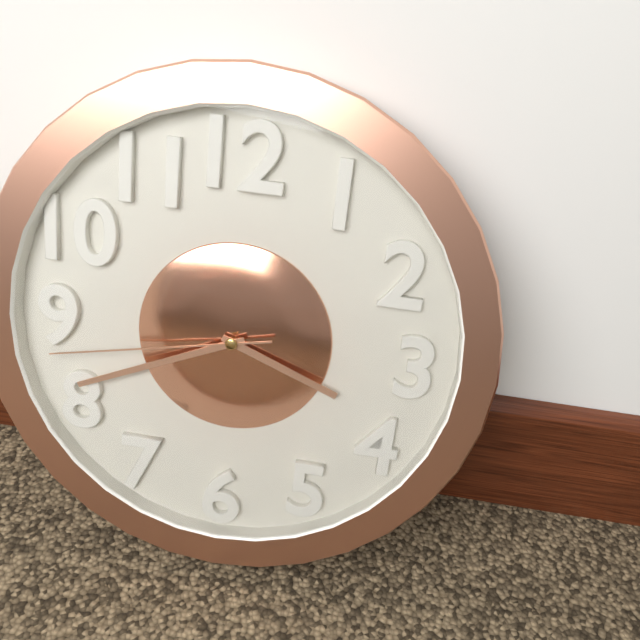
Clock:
3 h 41 min 43 s
